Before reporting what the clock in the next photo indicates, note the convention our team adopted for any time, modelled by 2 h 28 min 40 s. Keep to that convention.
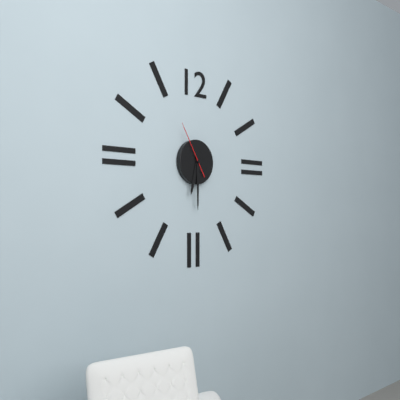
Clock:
6 h 30 min 55 s
